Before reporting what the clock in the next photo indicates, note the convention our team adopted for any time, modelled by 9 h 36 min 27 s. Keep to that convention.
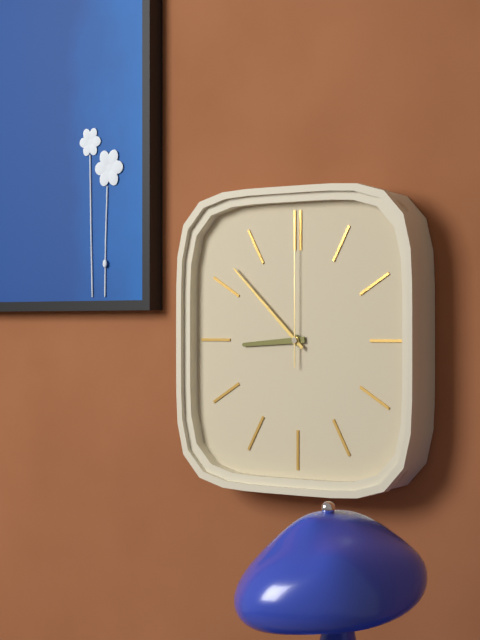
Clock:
8 h 52 min 00 s
